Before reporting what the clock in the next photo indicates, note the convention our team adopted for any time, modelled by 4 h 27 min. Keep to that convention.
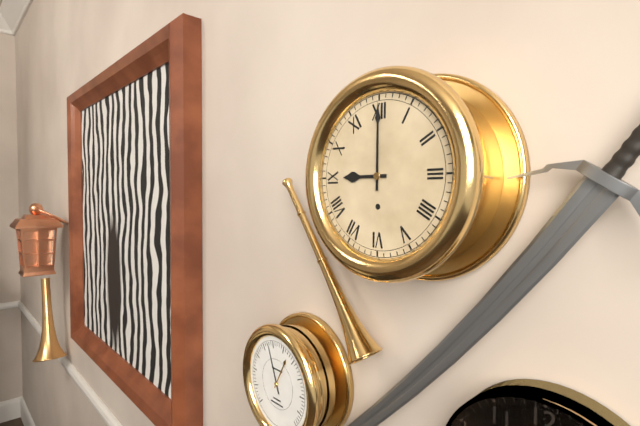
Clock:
9 h 00 min
